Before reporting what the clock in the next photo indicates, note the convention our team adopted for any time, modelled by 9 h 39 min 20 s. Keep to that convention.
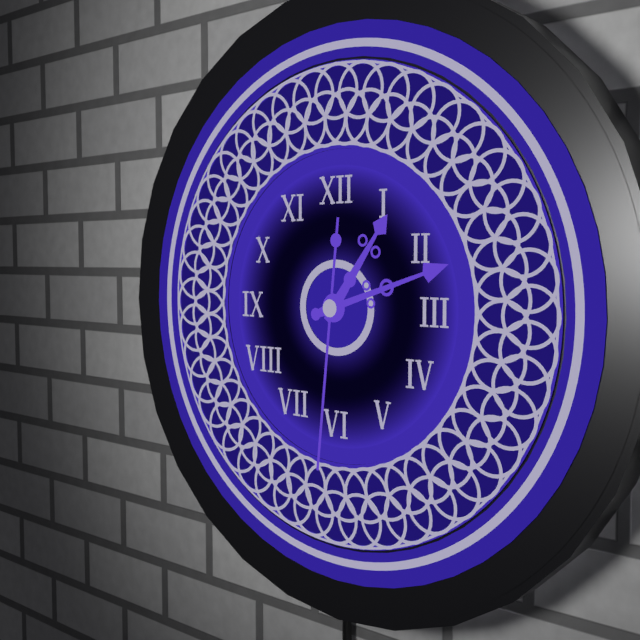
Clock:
1 h 12 min 31 s
